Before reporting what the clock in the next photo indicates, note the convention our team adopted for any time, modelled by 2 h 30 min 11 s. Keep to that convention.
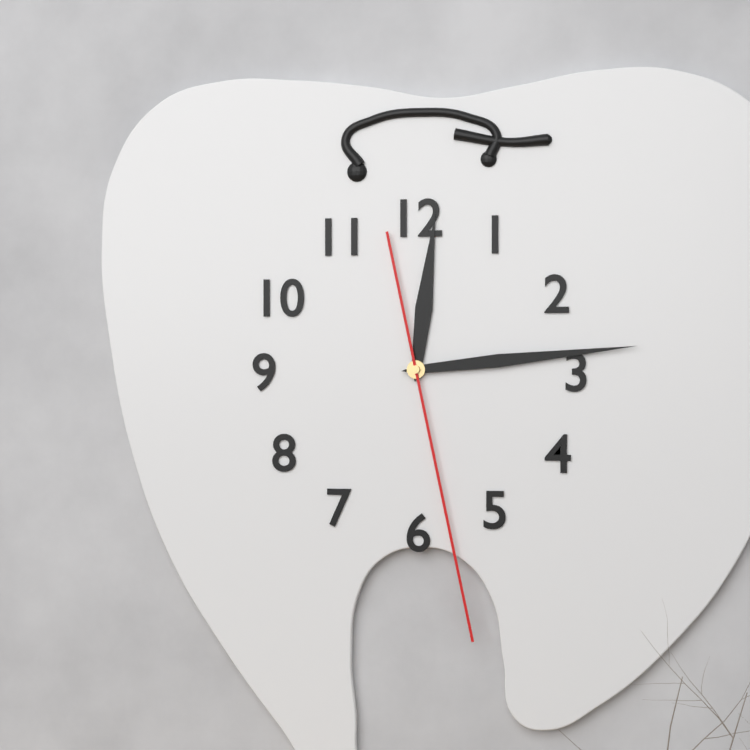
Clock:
12 h 14 min 28 s
